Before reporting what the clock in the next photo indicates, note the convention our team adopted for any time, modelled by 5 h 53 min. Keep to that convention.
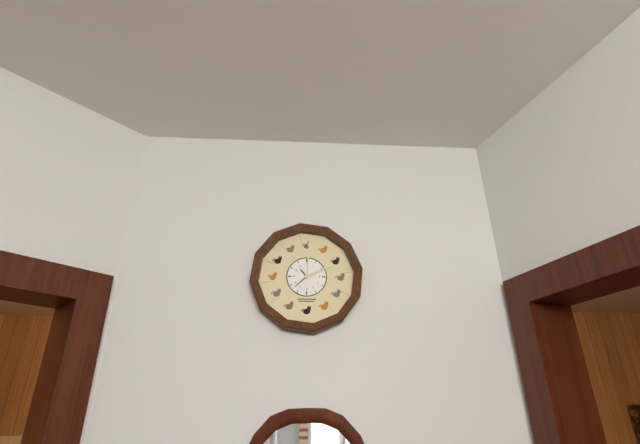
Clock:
10 h 38 min
